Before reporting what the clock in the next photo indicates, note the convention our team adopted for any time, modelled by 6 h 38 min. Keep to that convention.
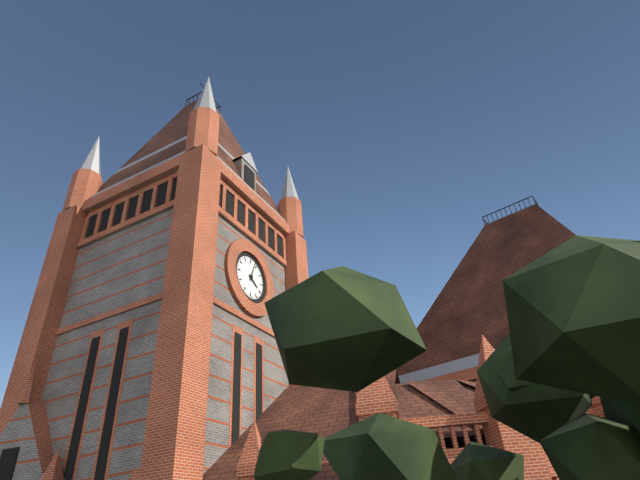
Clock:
4 h 03 min
